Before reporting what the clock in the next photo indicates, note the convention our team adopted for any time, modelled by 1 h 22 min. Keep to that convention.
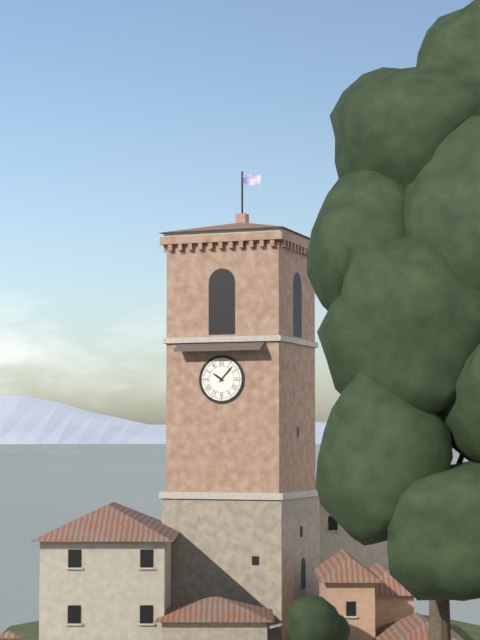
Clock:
10 h 07 min
